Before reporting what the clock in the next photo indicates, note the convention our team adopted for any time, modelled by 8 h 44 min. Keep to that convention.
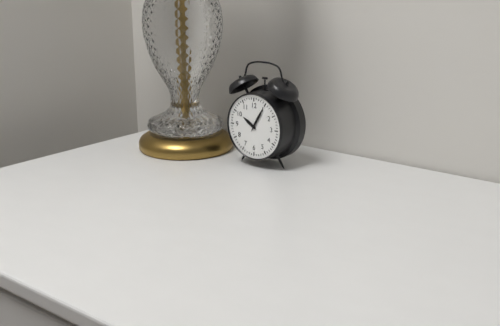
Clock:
10 h 05 min
